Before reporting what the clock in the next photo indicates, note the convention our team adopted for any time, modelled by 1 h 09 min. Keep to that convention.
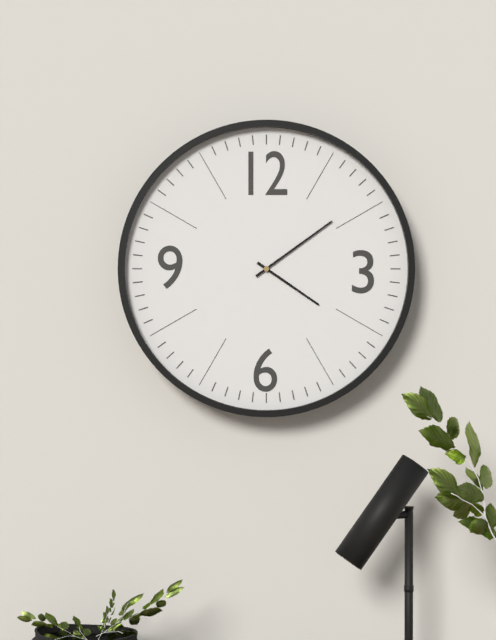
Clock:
4 h 09 min
